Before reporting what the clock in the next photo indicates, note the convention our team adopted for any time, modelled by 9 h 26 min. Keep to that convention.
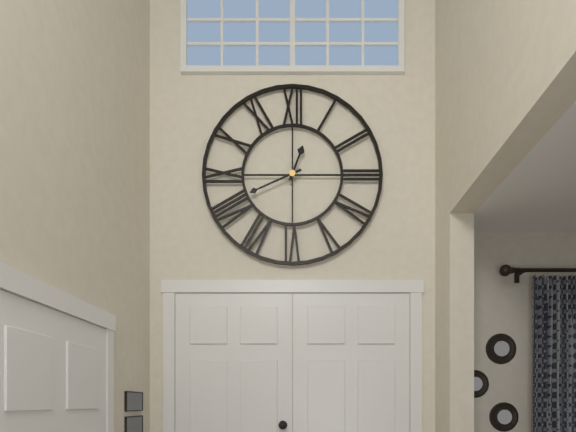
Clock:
12 h 41 min
